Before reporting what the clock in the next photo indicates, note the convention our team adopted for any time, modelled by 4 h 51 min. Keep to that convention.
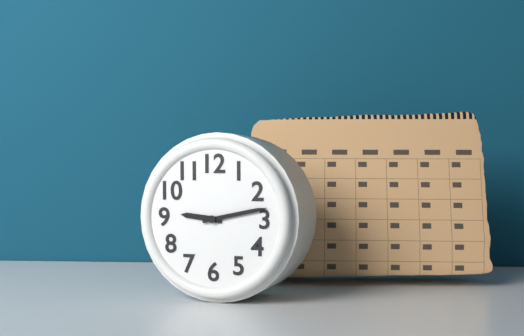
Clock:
9 h 13 min
